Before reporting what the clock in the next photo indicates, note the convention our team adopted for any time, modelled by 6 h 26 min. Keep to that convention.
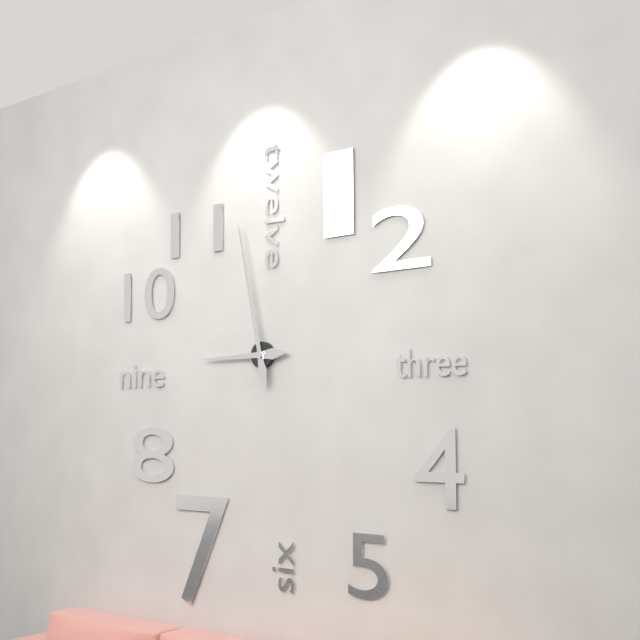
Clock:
8 h 58 min
